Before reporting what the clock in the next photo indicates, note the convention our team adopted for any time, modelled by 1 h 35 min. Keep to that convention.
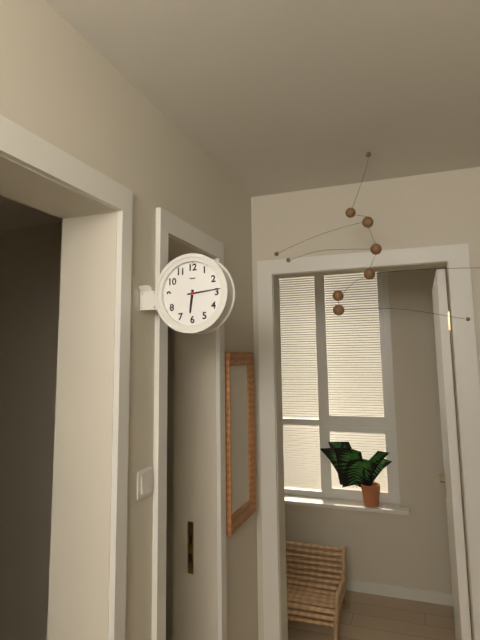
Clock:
6 h 14 min
